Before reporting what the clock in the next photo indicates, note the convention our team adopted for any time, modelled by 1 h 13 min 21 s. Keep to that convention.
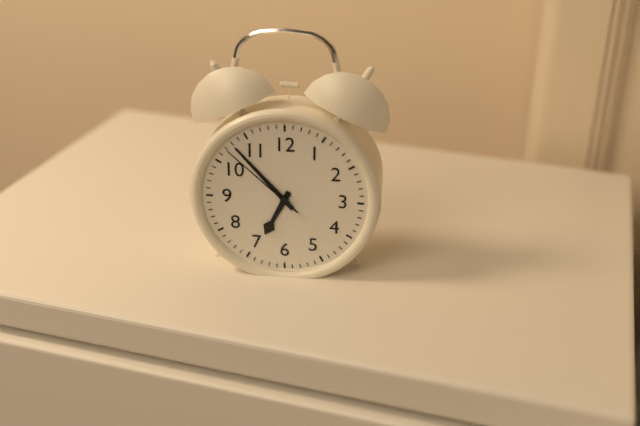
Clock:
6 h 53 min 52 s
